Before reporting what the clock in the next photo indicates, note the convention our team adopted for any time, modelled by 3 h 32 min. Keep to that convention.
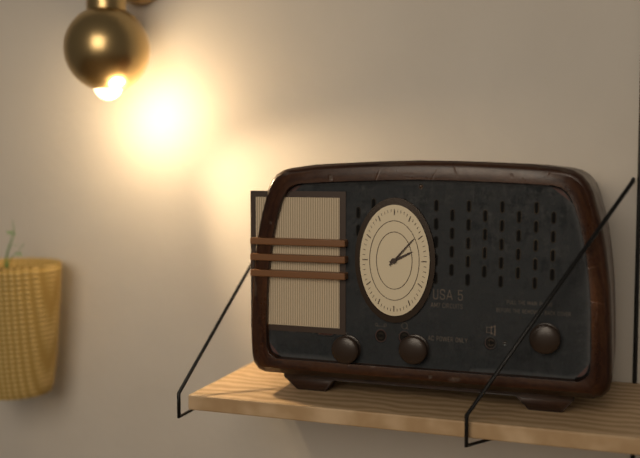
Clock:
2 h 07 min
